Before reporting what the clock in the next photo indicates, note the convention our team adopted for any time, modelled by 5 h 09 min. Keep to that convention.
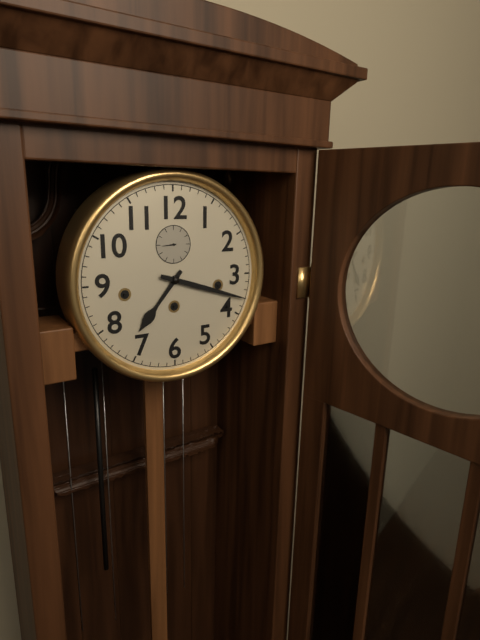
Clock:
7 h 18 min
